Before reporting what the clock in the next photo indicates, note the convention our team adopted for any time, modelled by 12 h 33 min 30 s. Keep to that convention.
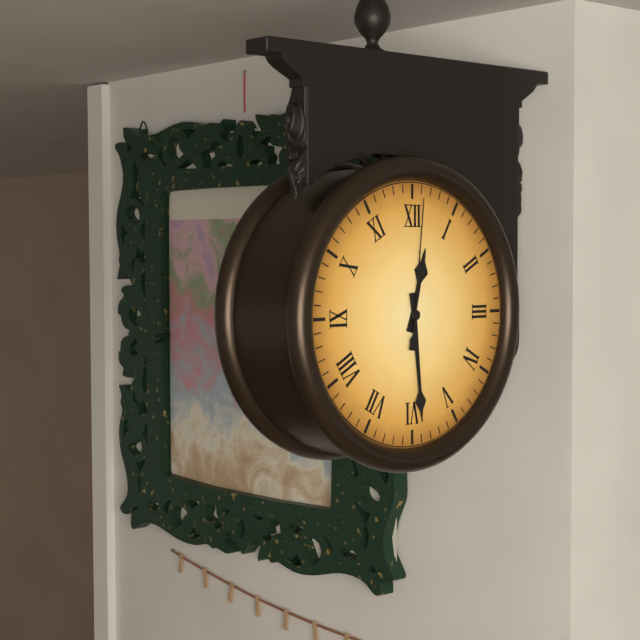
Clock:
12 h 29 min 01 s
